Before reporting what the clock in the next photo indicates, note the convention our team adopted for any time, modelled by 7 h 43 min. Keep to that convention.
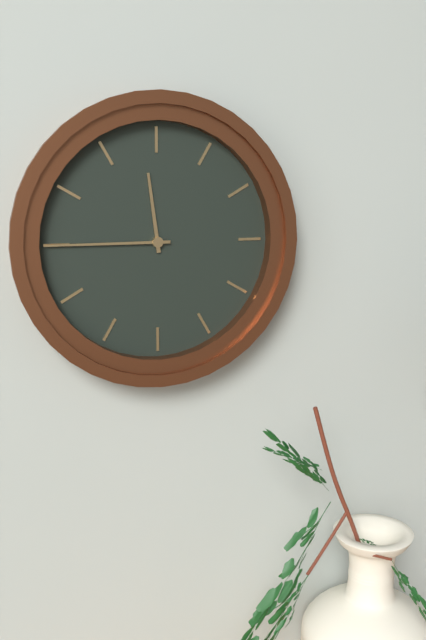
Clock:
11 h 45 min
